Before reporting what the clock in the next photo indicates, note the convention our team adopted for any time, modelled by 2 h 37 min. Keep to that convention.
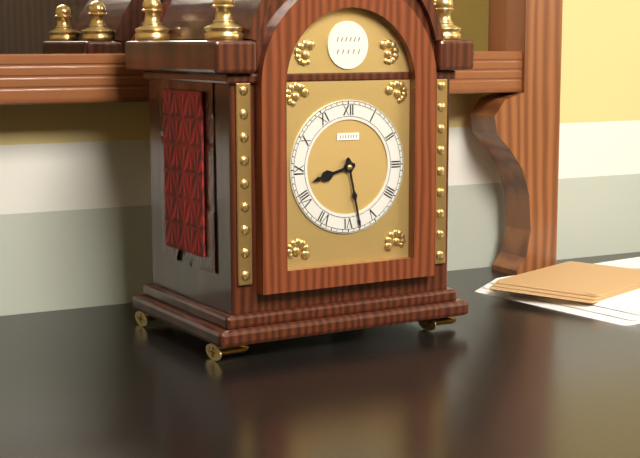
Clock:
8 h 28 min
